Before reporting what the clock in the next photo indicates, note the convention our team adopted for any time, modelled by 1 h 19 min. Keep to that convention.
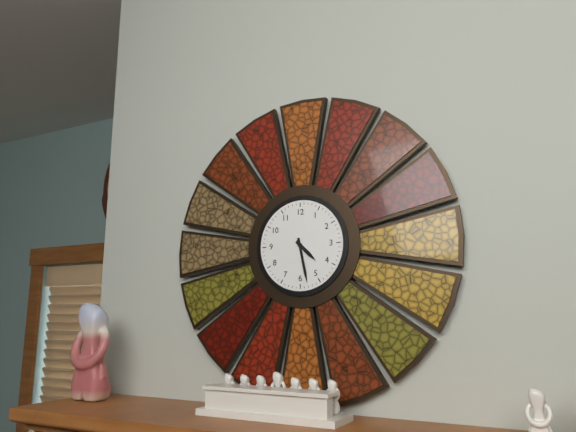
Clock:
4 h 28 min
